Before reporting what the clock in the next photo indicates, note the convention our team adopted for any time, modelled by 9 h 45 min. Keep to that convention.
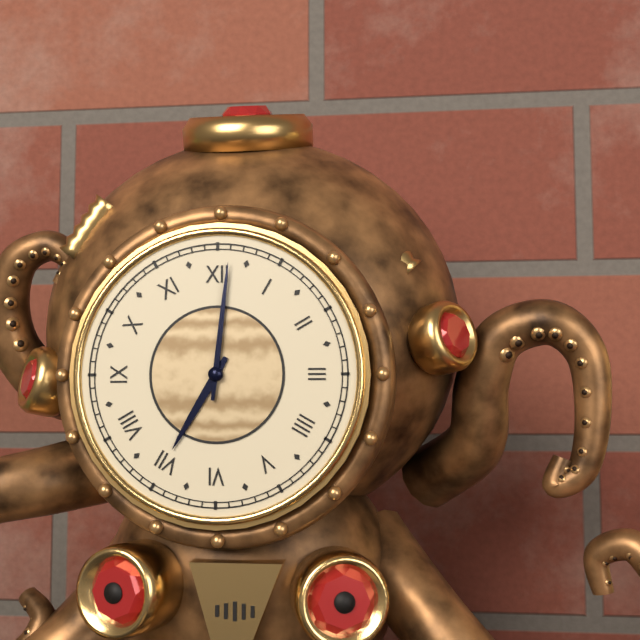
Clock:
7 h 01 min
